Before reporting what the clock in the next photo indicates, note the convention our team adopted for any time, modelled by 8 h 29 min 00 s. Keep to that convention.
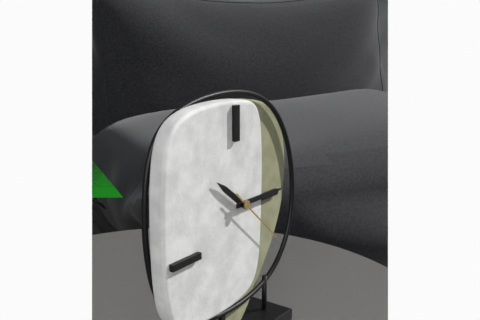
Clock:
10 h 15 min 22 s
